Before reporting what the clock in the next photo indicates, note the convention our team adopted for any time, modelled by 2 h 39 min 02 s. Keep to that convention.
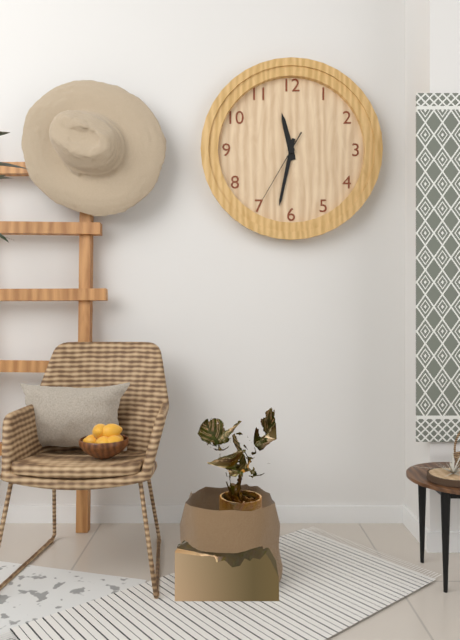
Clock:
11 h 32 min 35 s
